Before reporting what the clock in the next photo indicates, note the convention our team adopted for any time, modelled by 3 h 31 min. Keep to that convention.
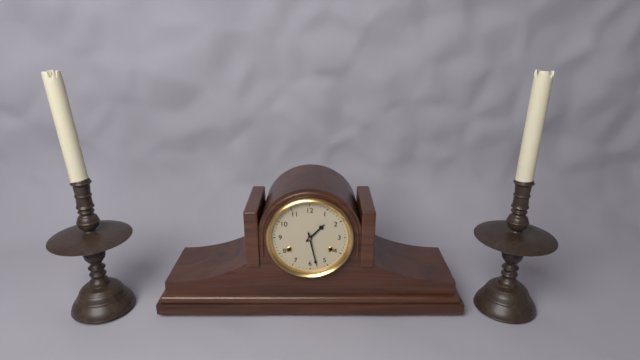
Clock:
1 h 28 min
